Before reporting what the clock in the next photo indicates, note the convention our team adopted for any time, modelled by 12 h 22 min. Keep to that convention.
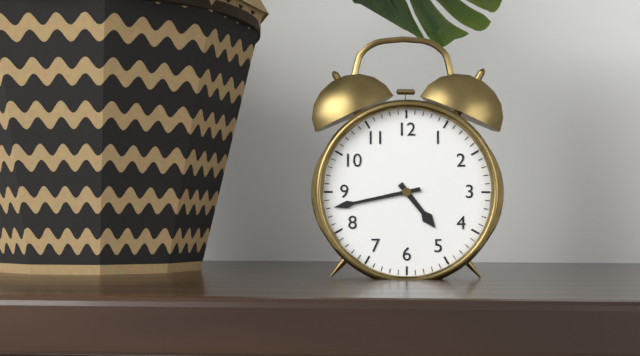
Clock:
4 h 43 min
